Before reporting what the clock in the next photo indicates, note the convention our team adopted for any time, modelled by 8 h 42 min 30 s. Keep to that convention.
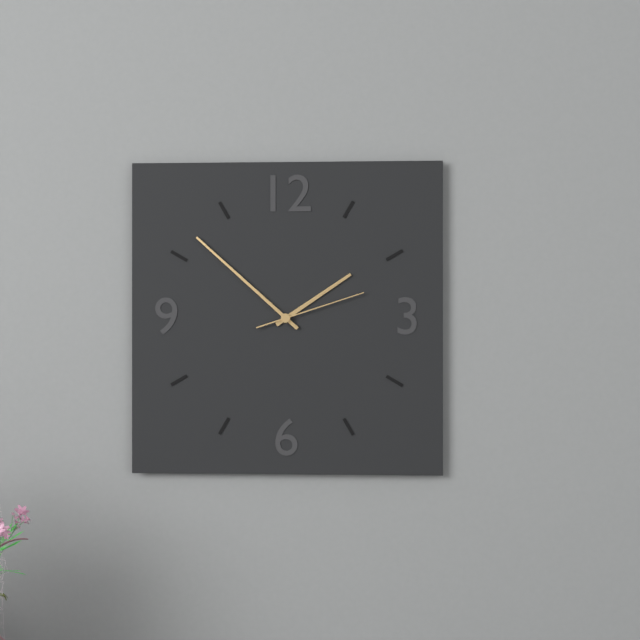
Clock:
1 h 52 min 12 s
